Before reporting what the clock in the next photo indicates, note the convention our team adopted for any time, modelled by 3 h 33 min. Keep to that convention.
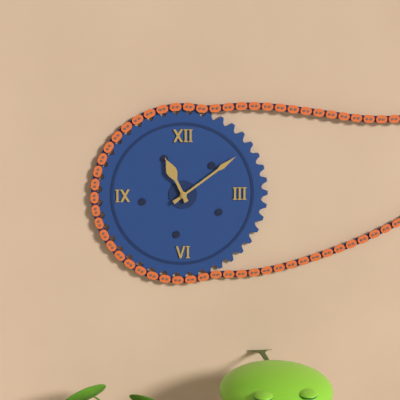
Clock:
11 h 09 min
